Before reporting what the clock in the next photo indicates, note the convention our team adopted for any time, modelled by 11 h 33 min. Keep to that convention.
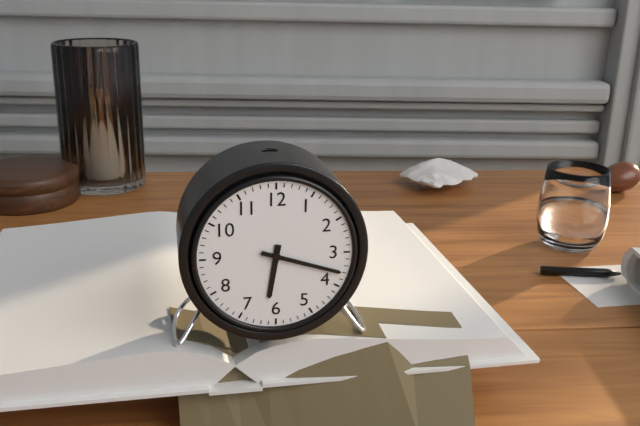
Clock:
6 h 18 min
